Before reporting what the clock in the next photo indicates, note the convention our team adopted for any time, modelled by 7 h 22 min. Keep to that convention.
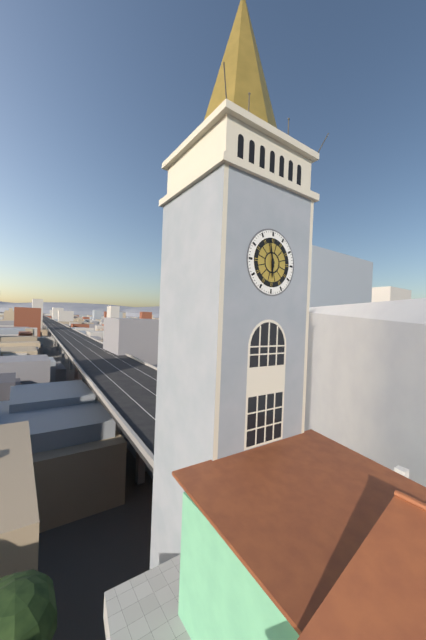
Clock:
5 h 58 min
